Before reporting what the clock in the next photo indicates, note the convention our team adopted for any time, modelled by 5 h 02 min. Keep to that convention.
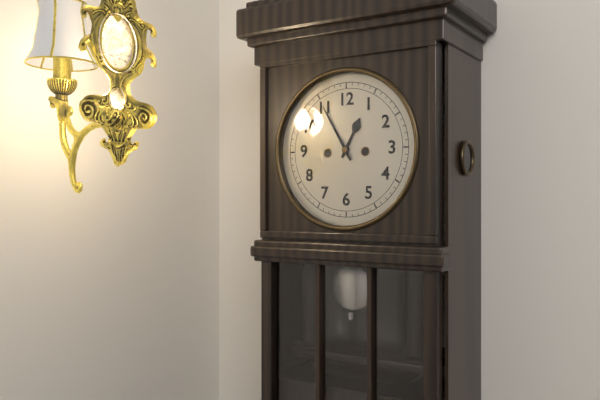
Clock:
12 h 55 min
